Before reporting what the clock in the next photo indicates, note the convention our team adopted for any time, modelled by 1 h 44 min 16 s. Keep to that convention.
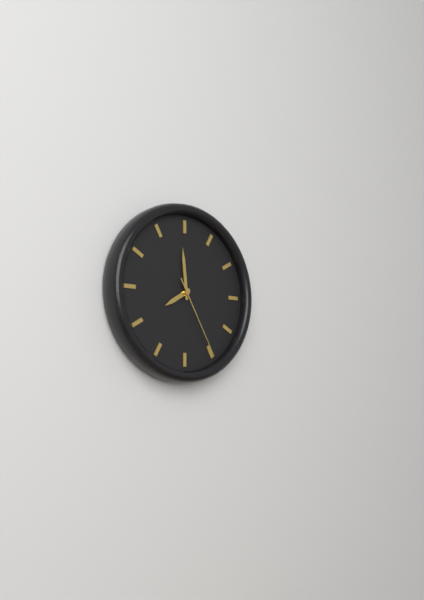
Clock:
7 h 59 min 25 s
